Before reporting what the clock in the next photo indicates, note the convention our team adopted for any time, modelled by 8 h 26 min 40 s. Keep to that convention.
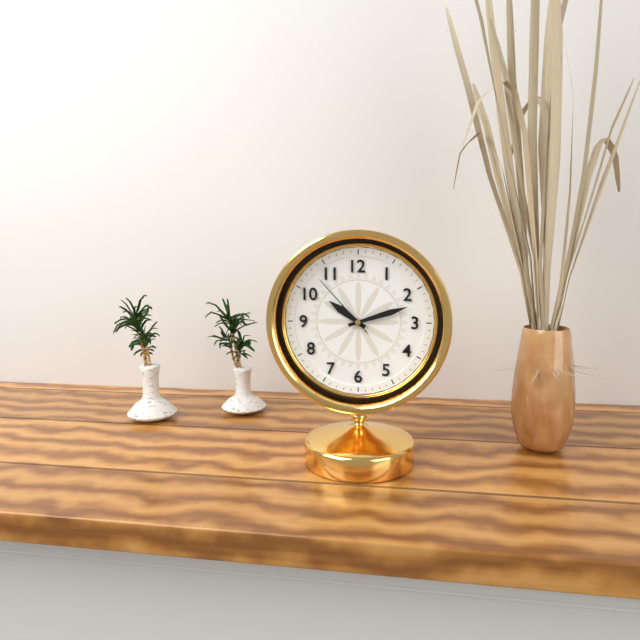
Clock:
10 h 12 min 53 s
